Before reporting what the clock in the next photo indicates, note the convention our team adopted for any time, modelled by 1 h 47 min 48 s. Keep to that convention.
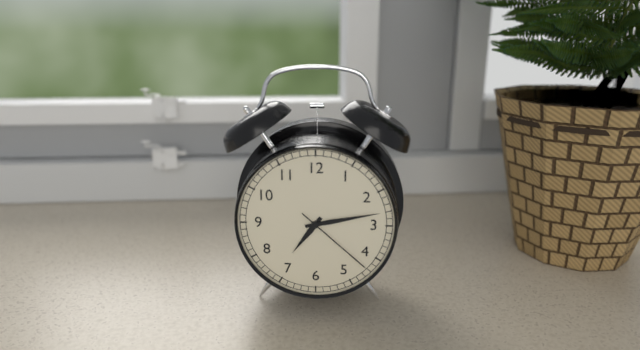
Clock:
7 h 13 min 22 s
